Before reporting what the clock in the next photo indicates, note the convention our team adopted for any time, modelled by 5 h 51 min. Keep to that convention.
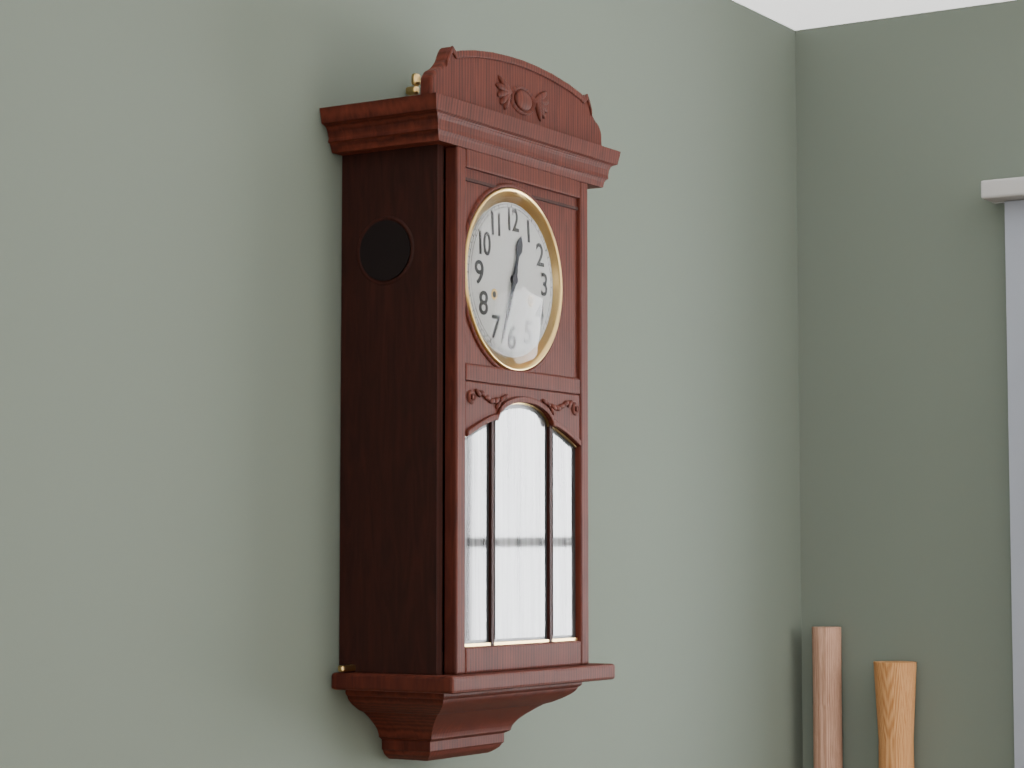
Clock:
12 h 33 min
